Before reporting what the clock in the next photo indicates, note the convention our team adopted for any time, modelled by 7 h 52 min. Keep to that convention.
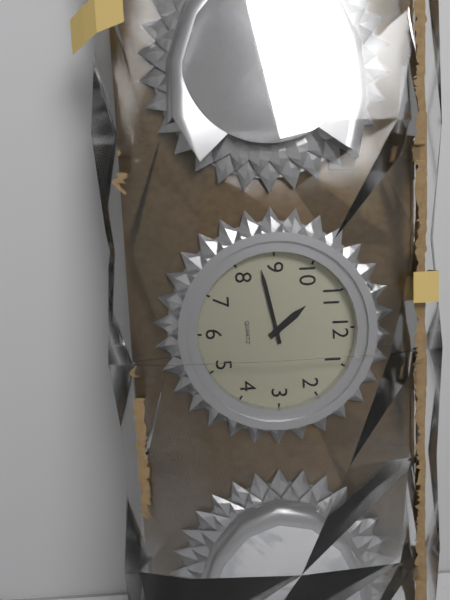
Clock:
10 h 43 min
